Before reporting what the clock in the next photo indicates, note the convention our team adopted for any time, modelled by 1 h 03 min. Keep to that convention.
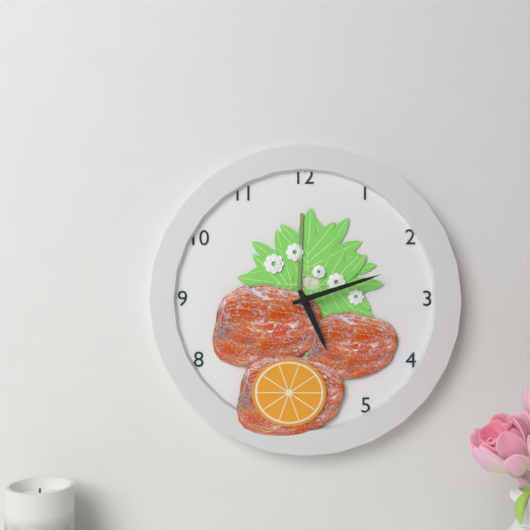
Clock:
5 h 12 min
